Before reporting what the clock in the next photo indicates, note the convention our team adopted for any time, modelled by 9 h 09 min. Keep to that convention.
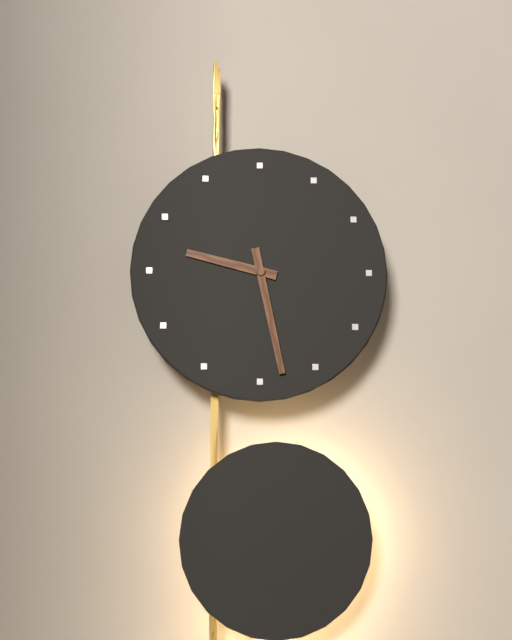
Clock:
9 h 28 min
